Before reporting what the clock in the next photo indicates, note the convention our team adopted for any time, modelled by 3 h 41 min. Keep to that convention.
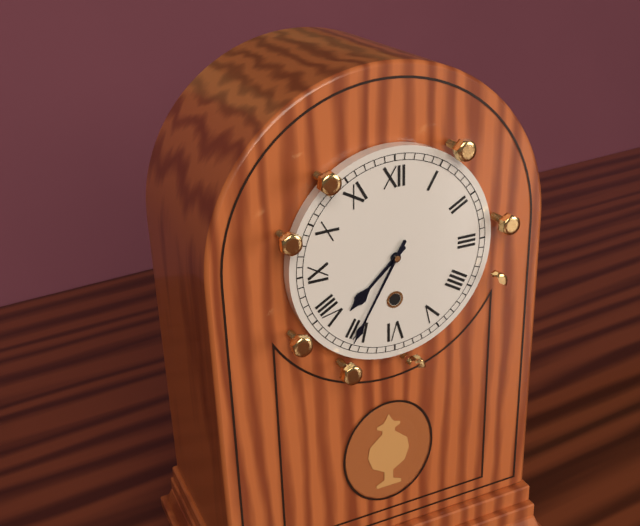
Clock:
7 h 35 min
